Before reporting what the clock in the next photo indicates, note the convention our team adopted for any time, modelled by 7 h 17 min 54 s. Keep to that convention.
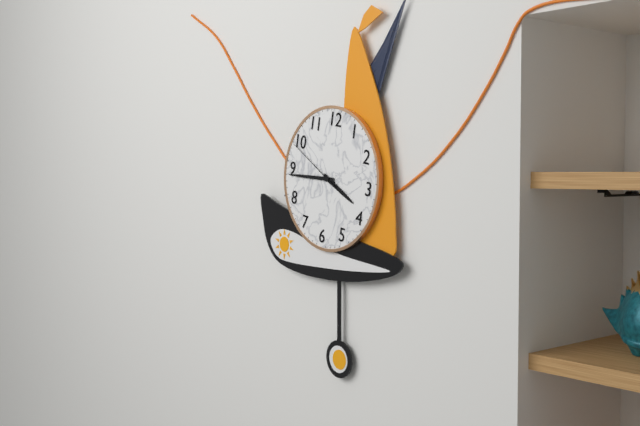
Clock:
3 h 44 min 49 s
